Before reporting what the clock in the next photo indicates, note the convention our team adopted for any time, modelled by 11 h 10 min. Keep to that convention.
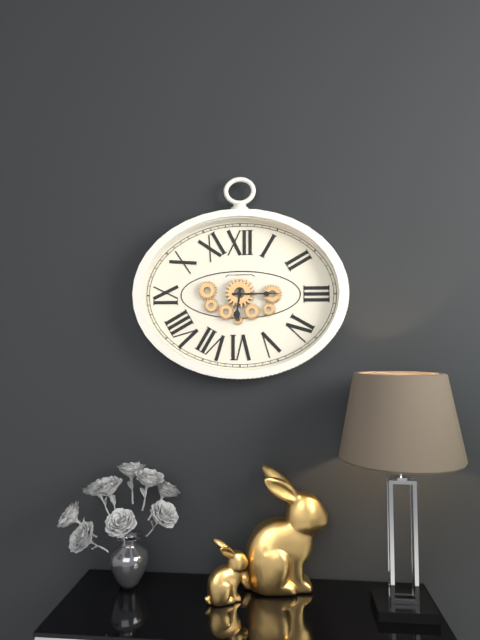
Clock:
6 h 15 min
